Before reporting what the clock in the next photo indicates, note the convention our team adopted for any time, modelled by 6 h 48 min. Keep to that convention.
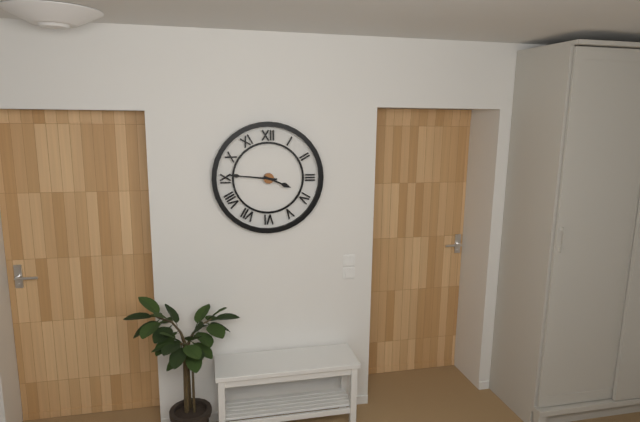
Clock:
3 h 46 min
